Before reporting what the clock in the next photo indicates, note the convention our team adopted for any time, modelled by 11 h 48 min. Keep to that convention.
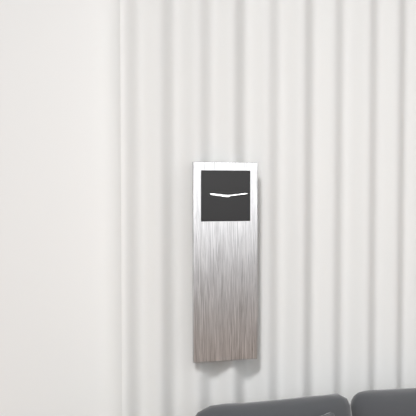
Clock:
9 h 14 min
